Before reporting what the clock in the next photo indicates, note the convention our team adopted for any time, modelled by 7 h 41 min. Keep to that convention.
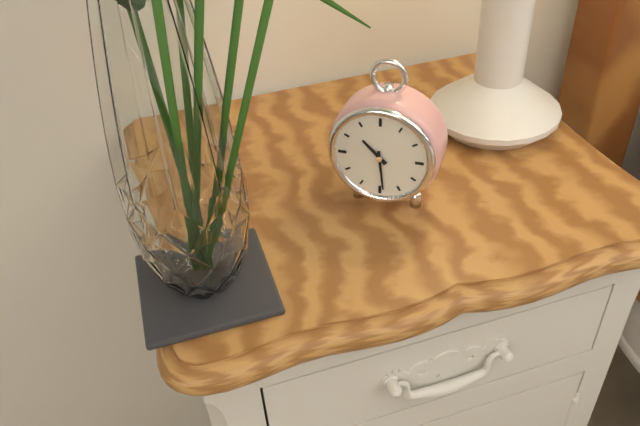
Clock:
10 h 29 min
